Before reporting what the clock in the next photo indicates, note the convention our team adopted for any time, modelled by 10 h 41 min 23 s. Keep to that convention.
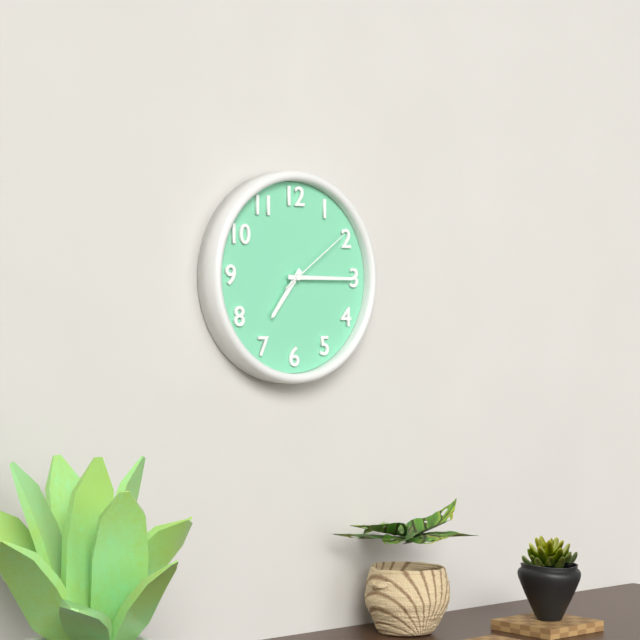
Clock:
7 h 15 min 09 s
